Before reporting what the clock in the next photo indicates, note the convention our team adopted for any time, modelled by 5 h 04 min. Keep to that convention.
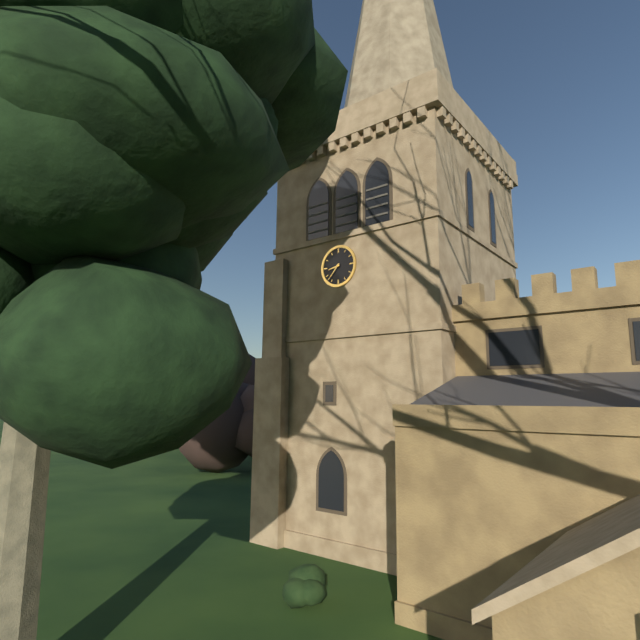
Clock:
8 h 37 min
